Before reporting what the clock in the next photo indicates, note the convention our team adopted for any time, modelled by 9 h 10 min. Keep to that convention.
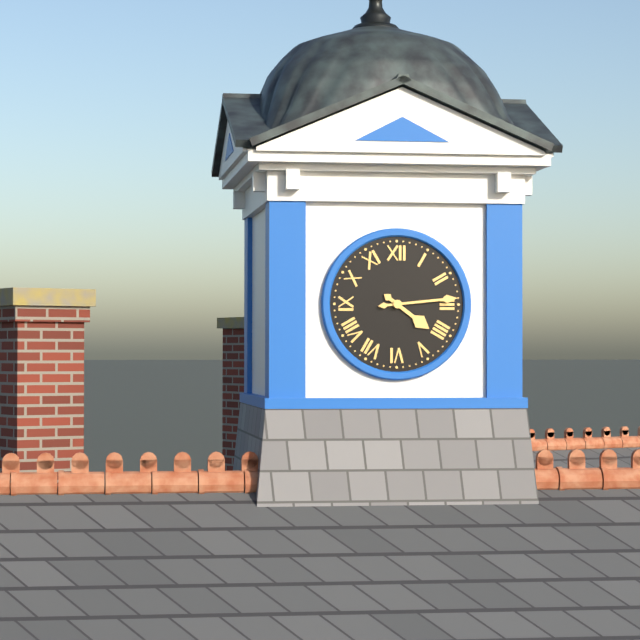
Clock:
4 h 14 min
